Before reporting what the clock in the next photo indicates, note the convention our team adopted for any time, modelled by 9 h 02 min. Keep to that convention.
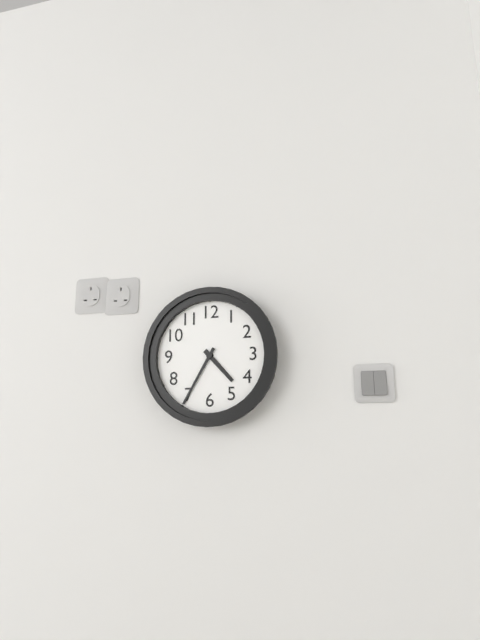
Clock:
4 h 35 min
